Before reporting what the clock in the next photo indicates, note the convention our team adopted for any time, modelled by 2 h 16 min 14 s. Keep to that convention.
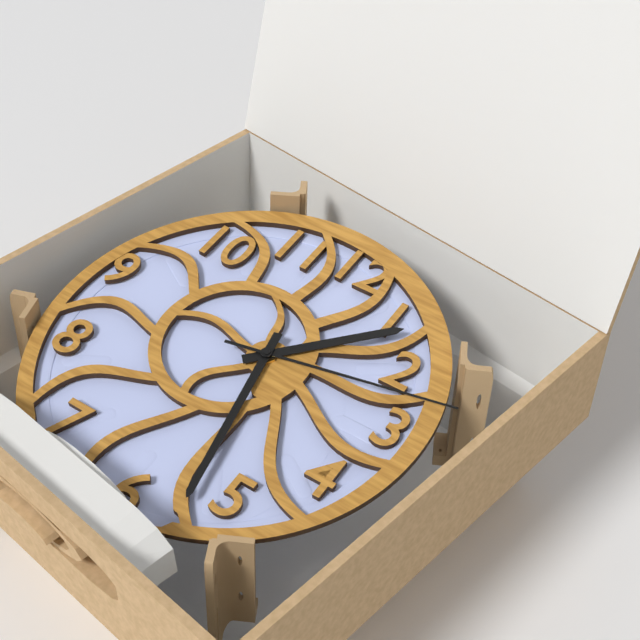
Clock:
1 h 28 min 13 s
